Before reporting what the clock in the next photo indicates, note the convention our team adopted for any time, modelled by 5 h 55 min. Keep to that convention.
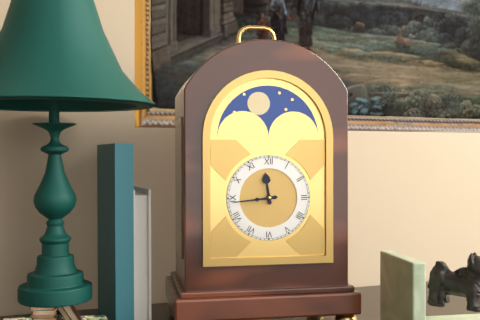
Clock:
11 h 44 min
